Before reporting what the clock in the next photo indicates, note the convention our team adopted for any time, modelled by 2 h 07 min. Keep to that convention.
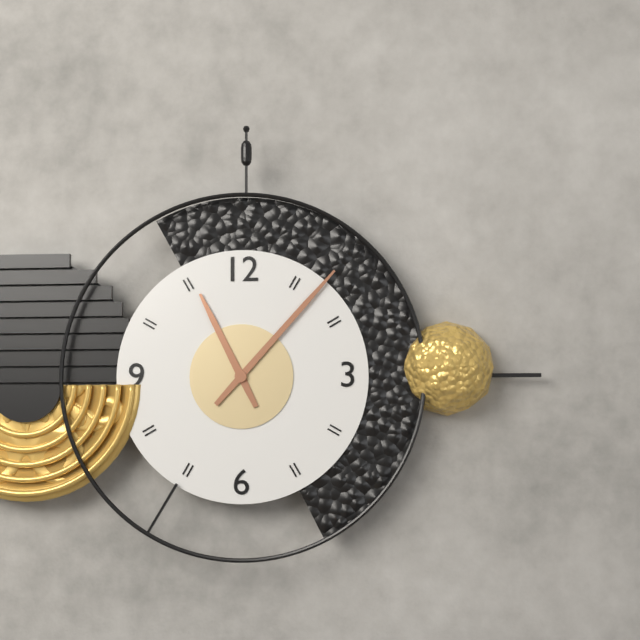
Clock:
11 h 07 min
